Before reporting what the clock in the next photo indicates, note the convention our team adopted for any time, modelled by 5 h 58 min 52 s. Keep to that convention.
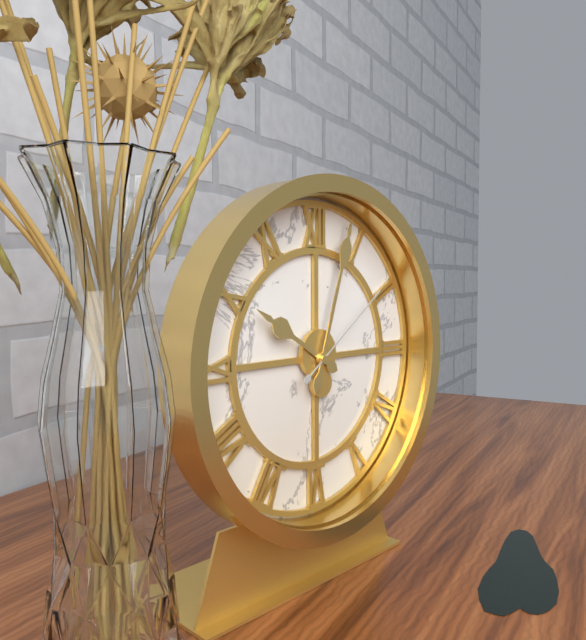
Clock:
10 h 03 min 09 s
